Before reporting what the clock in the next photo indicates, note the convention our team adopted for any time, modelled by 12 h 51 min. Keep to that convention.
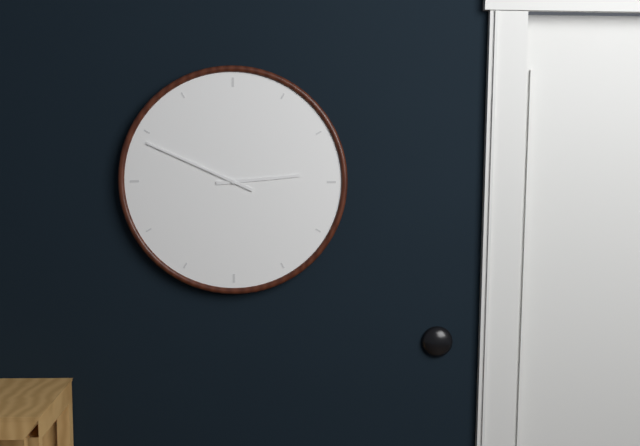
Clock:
2 h 49 min
